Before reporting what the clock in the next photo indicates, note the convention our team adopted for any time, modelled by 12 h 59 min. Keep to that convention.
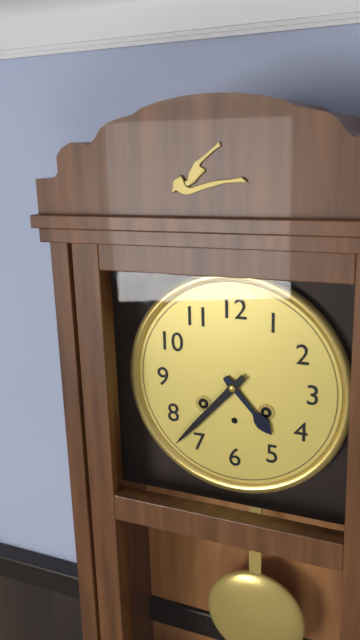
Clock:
4 h 37 min
